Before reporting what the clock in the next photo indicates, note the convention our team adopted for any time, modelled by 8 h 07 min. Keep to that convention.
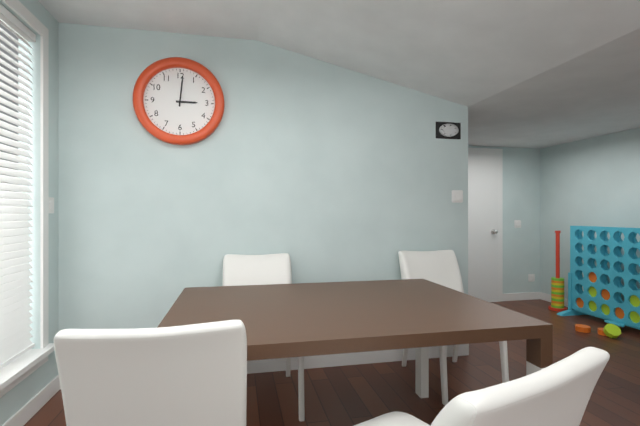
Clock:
3 h 01 min
